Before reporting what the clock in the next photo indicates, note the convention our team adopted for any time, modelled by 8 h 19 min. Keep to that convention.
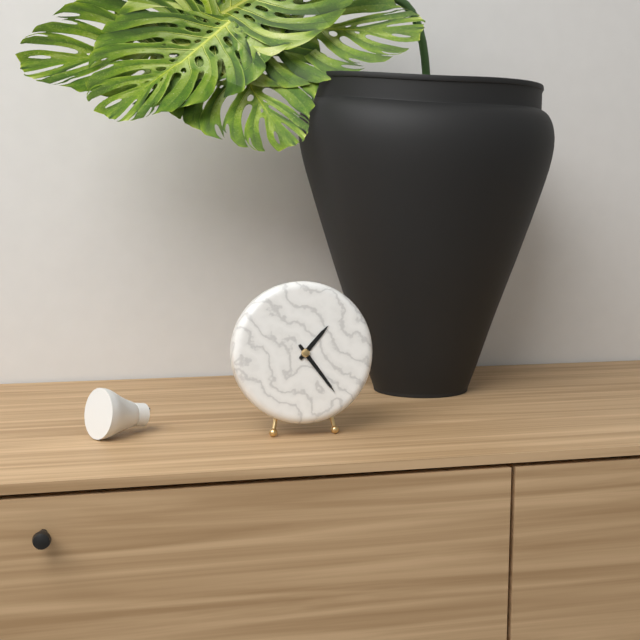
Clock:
1 h 24 min
